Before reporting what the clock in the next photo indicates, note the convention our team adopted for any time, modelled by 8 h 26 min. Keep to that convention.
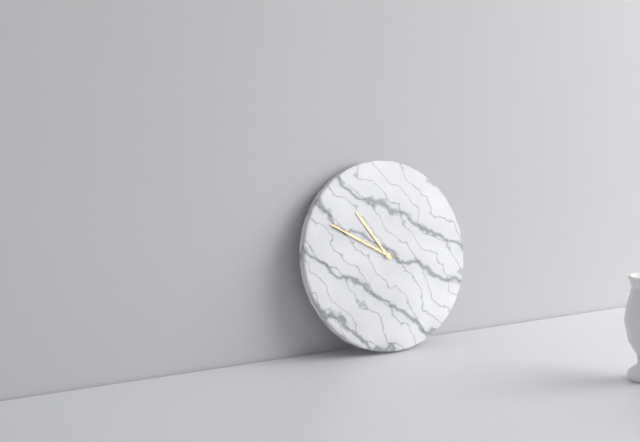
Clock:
10 h 50 min
